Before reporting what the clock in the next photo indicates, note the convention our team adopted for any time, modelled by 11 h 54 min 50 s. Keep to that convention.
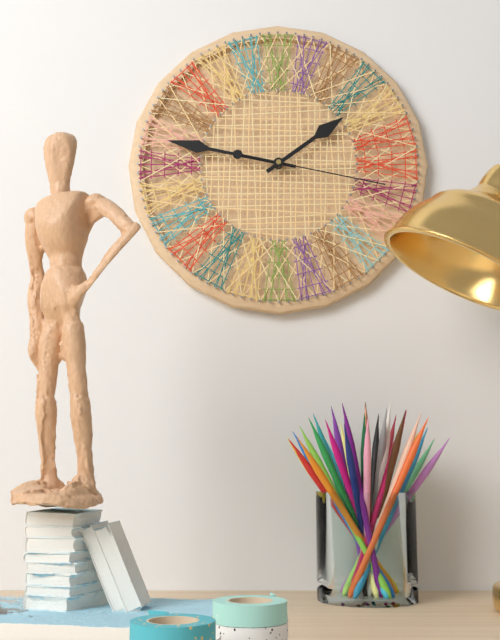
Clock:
1 h 47 min 17 s
